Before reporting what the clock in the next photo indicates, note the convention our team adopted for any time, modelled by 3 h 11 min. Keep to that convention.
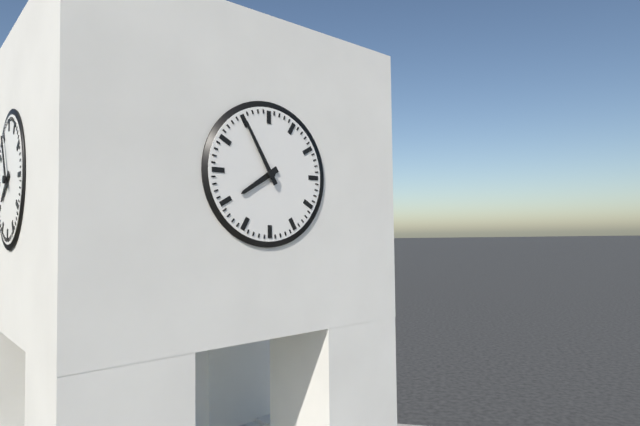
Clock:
7 h 55 min
